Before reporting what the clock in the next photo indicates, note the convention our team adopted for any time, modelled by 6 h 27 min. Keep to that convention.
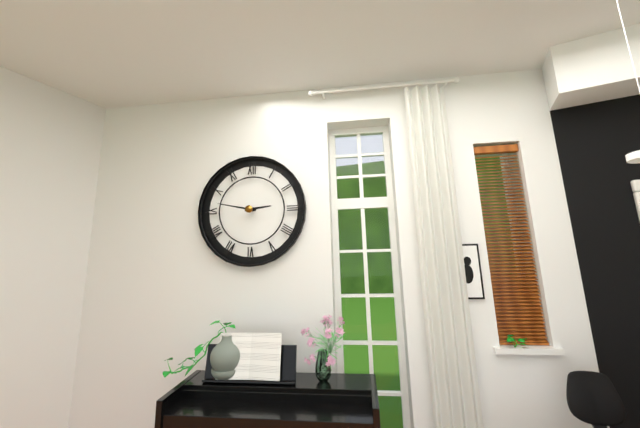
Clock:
2 h 47 min
